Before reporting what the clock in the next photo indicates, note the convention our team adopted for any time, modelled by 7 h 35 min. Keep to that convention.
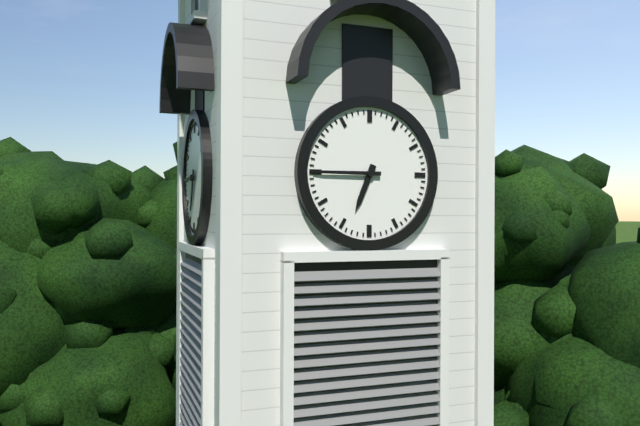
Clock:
6 h 45 min
